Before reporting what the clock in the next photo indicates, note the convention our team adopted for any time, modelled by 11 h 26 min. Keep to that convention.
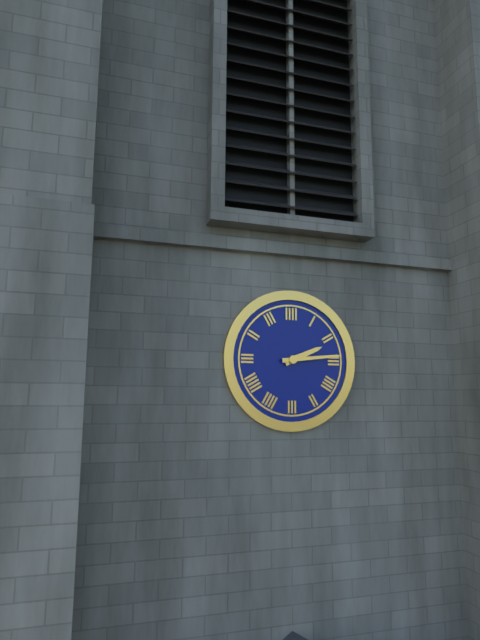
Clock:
2 h 14 min
